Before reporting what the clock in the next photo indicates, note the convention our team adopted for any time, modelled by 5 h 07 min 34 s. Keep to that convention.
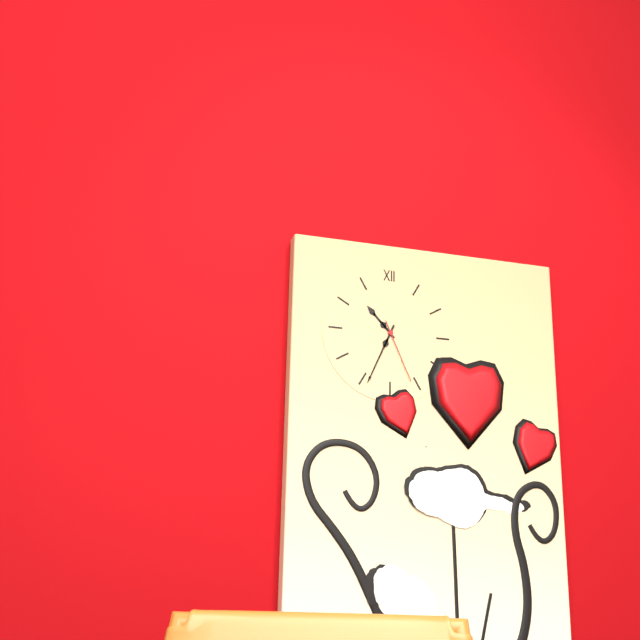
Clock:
10 h 34 min 26 s
